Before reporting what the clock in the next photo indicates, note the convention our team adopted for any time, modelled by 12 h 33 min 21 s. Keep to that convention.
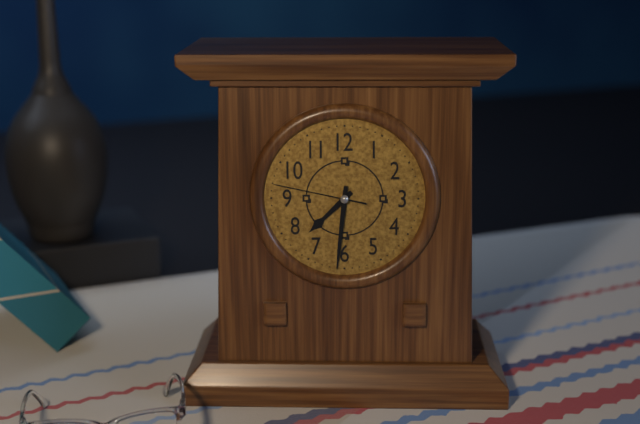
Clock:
7 h 31 min 47 s
